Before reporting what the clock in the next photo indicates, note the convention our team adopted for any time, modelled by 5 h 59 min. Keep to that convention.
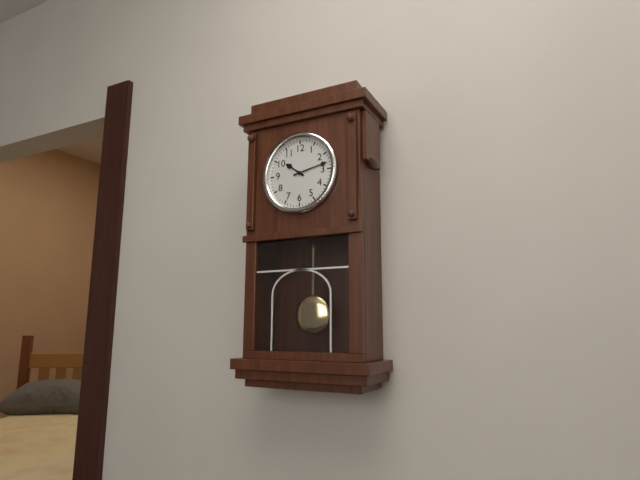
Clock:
10 h 13 min
